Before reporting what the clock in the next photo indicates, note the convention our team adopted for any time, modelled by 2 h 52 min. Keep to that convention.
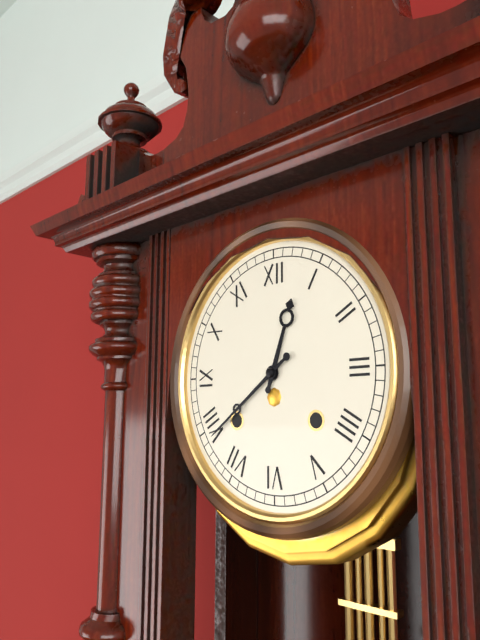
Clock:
12 h 39 min
